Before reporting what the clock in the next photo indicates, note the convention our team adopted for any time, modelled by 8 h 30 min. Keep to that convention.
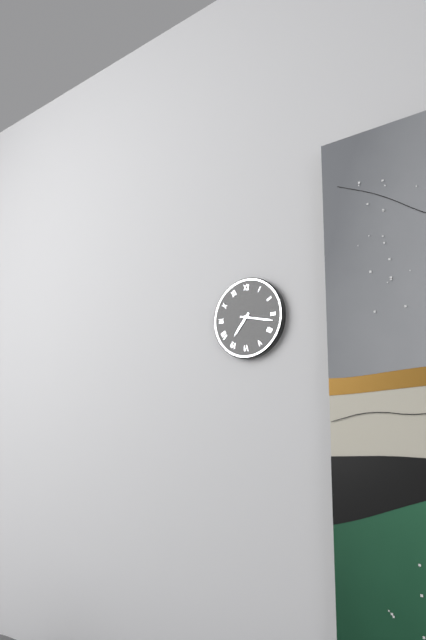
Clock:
7 h 17 min
